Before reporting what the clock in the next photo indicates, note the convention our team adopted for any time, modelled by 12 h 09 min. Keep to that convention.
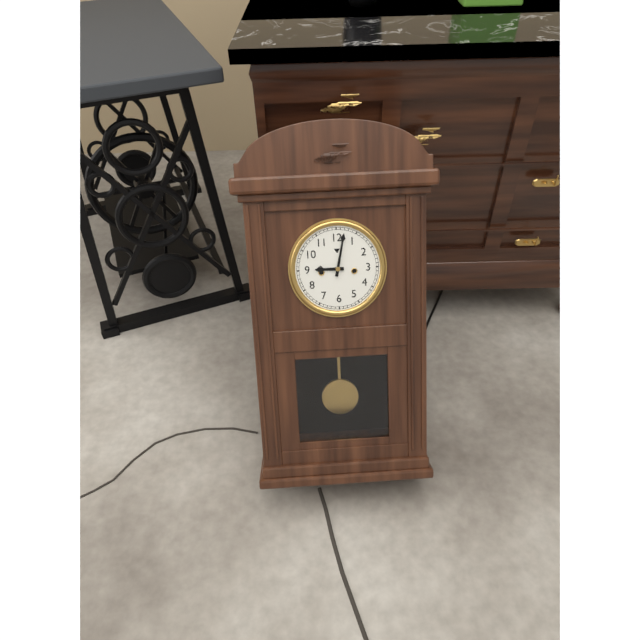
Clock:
9 h 02 min
